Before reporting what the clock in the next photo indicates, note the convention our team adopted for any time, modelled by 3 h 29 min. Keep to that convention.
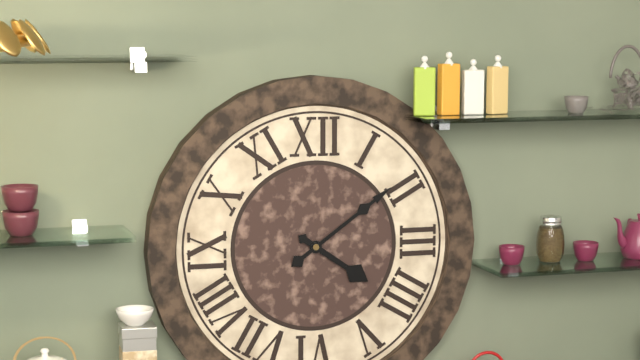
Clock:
4 h 09 min
